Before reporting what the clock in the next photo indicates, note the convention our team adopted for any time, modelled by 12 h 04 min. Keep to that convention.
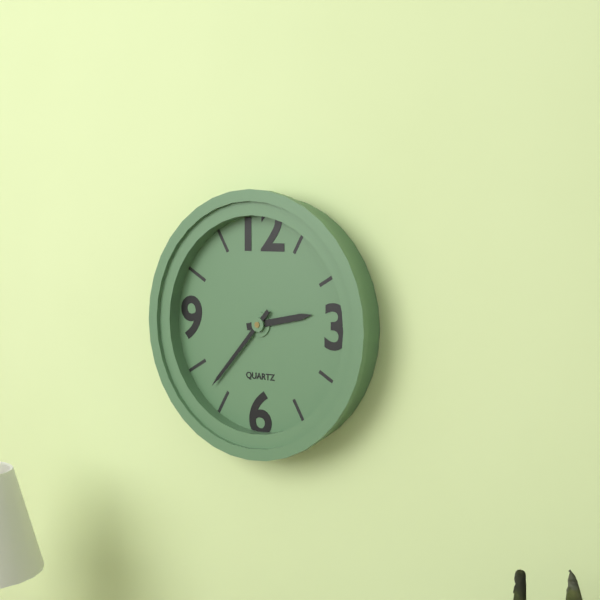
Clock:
2 h 37 min
